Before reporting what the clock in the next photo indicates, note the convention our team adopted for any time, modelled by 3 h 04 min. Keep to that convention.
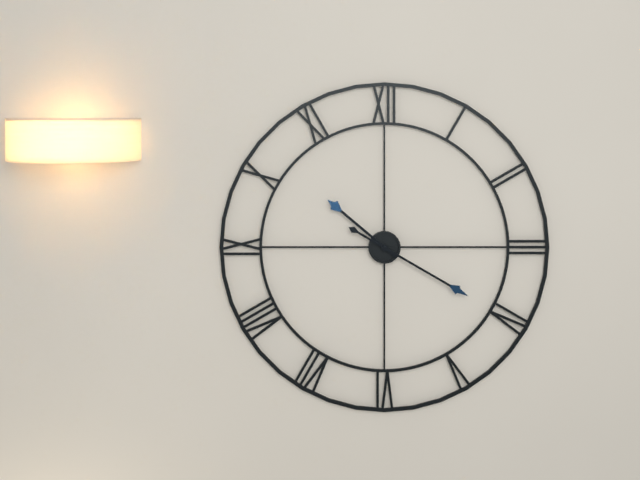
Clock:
10 h 20 min
